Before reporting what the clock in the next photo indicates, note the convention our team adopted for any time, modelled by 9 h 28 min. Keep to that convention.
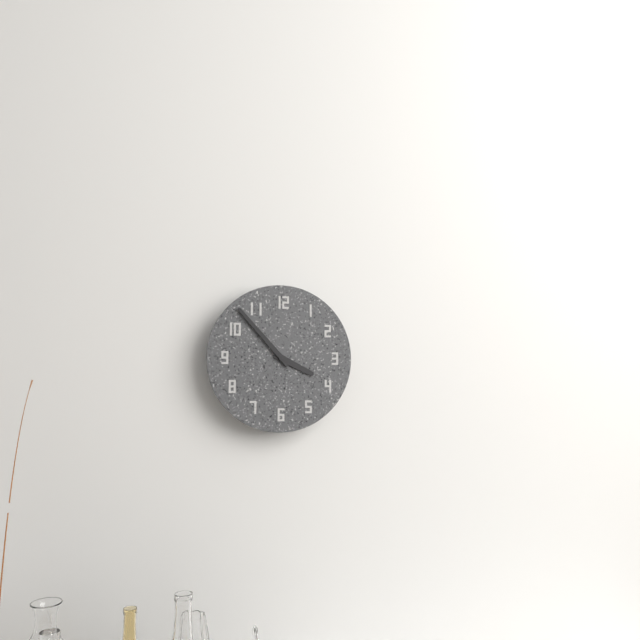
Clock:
3 h 53 min
